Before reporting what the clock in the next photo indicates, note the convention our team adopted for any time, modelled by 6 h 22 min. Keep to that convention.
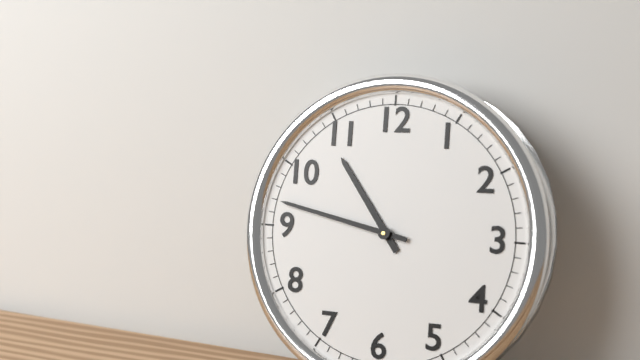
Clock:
10 h 47 min
